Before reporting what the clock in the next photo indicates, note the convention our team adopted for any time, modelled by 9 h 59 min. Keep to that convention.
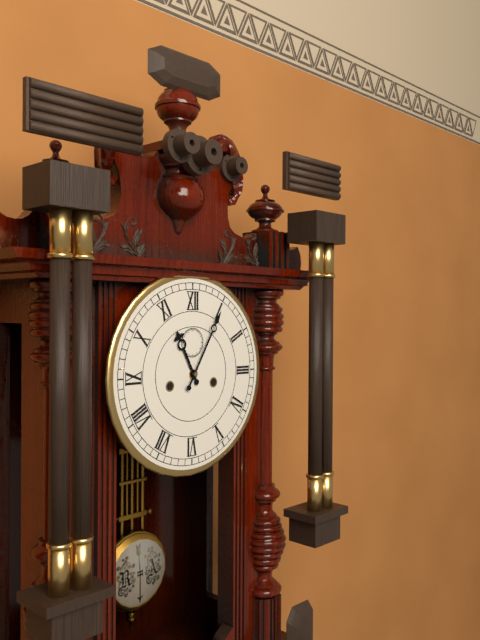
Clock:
11 h 05 min
